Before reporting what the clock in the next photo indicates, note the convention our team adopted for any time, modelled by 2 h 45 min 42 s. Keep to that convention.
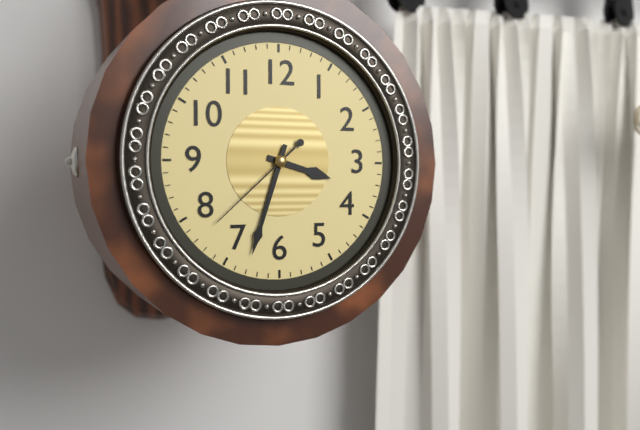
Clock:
3 h 33 min 38 s
